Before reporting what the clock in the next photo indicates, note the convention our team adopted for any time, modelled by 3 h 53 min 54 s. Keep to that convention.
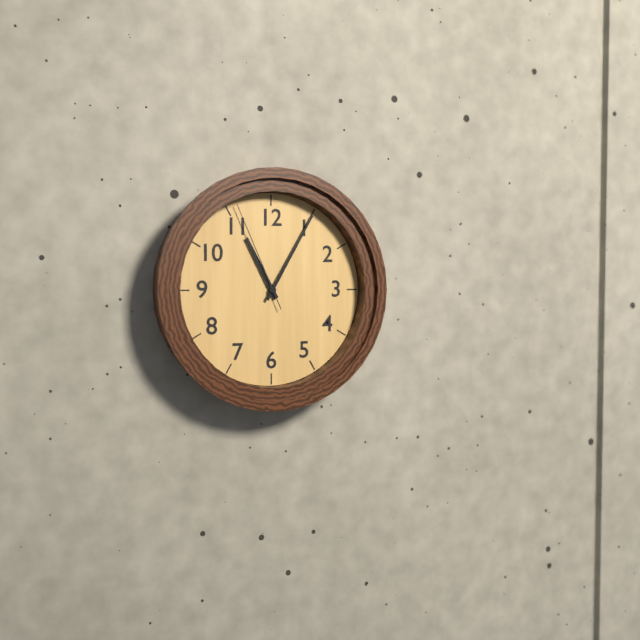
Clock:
11 h 05 min 56 s
